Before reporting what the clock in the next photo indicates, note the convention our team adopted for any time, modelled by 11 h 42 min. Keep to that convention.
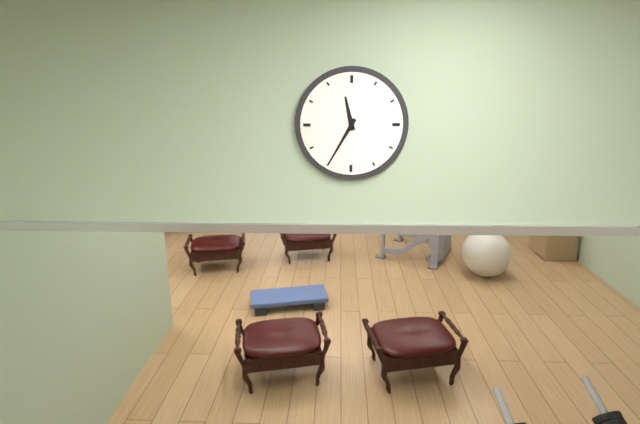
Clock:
11 h 35 min
